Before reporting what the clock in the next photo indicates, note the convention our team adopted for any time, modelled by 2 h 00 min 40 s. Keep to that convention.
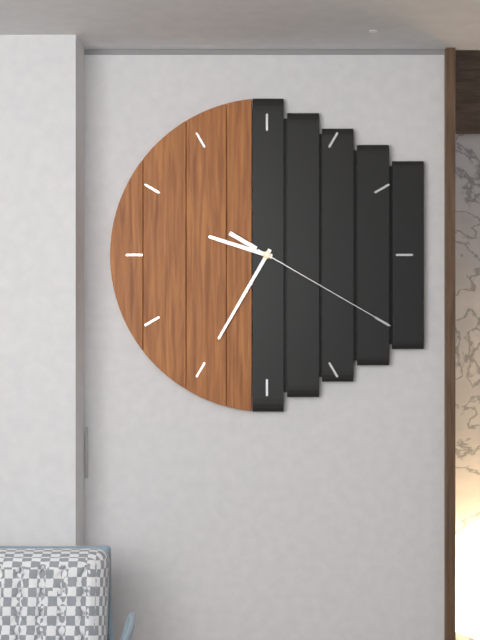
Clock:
9 h 35 min 20 s
